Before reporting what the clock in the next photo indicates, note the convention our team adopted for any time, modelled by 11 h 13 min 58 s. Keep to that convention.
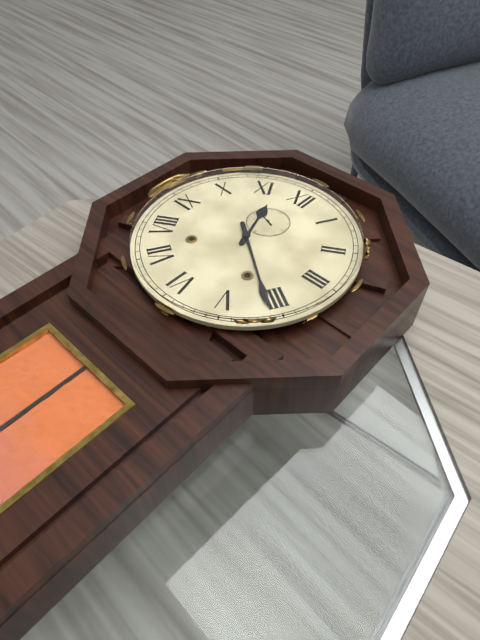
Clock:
11 h 21 min 48 s
